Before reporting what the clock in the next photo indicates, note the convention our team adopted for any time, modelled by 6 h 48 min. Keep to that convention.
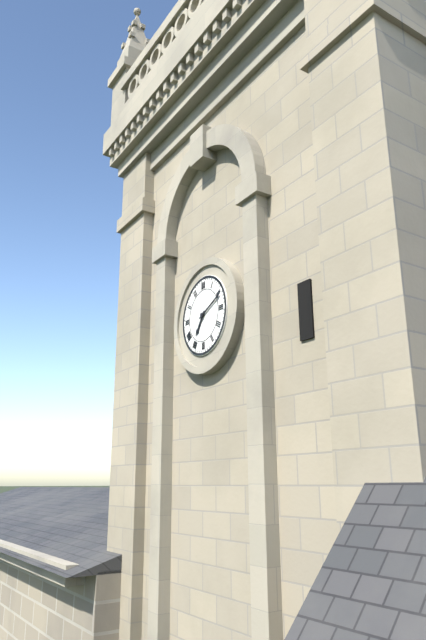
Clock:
7 h 11 min
